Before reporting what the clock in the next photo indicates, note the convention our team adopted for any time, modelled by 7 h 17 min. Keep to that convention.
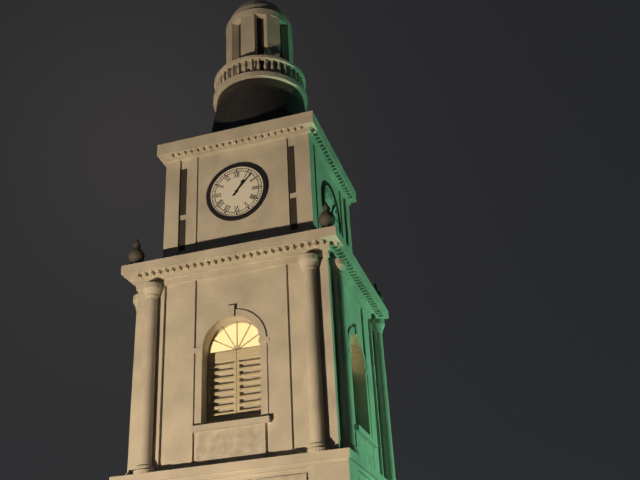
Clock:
1 h 07 min
